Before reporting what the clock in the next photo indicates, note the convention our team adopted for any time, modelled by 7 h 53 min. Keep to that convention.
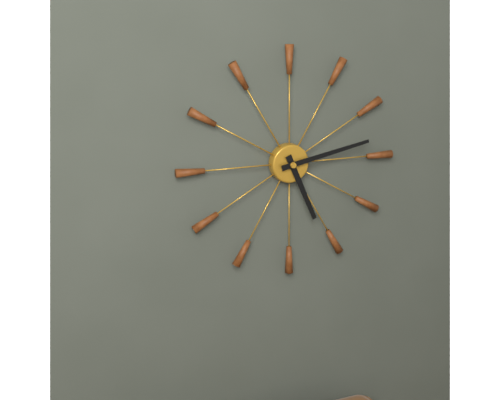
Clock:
5 h 13 min
